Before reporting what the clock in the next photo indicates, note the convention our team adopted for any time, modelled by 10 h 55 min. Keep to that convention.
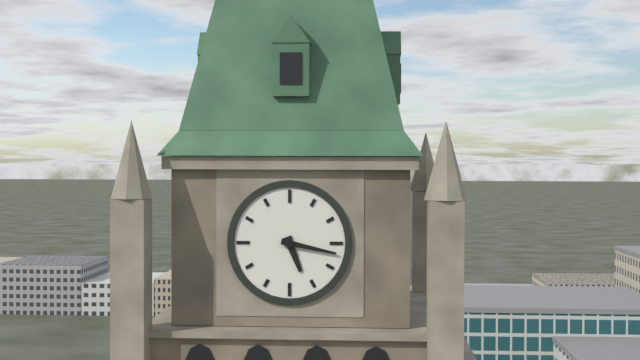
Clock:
5 h 17 min
